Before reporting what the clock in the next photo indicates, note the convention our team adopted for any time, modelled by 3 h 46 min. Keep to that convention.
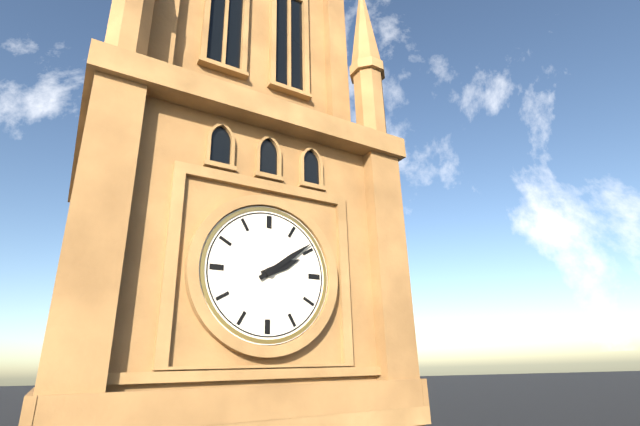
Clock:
2 h 09 min
